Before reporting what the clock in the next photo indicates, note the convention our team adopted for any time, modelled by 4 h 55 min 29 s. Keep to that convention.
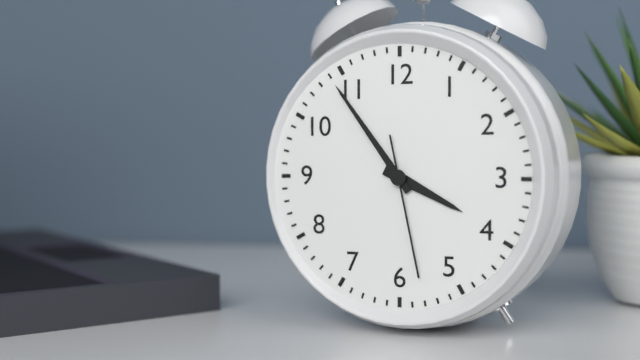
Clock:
3 h 54 min 28 s
